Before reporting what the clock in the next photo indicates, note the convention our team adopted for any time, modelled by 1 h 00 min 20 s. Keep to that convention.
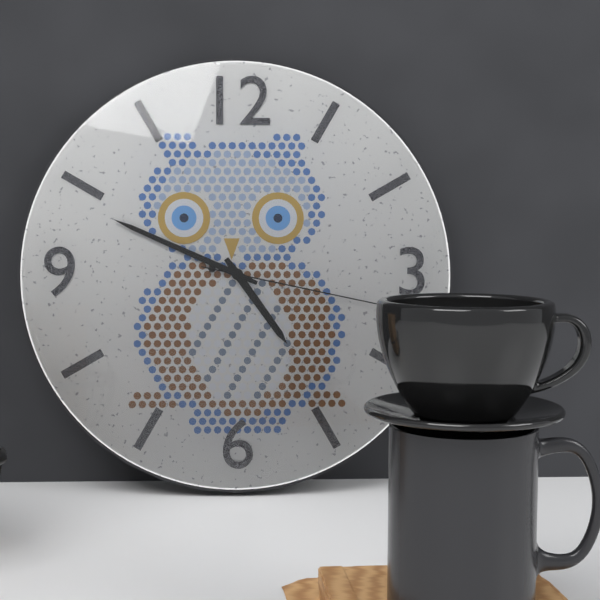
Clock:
4 h 49 min 17 s
